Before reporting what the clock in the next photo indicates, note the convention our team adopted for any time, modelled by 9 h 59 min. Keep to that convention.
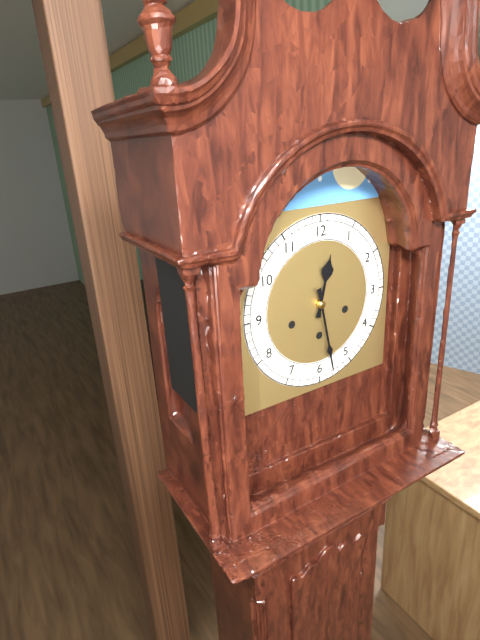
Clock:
12 h 28 min
